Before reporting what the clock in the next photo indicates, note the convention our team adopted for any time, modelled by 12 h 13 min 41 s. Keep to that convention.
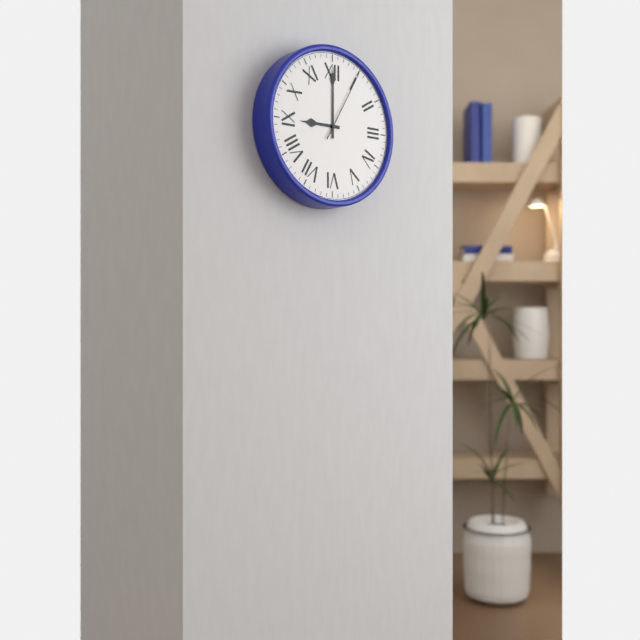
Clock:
9 h 00 min 05 s
